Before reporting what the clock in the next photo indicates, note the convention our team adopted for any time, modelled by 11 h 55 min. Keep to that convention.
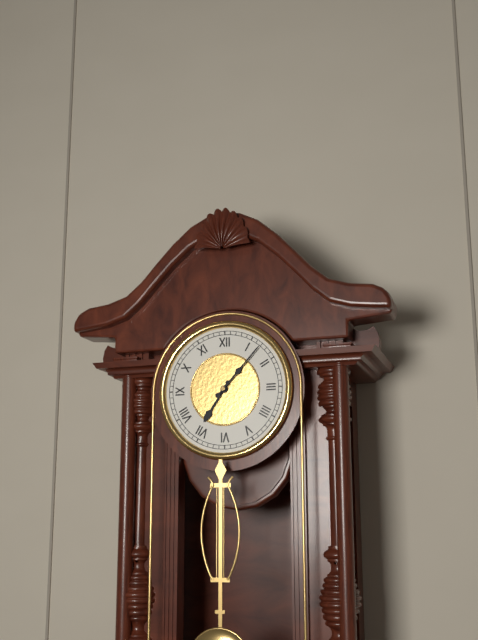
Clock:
7 h 07 min
